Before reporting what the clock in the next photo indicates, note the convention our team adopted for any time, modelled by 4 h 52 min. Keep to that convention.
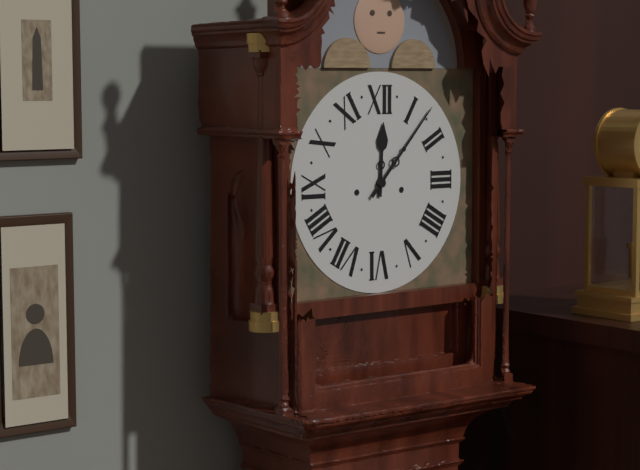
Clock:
12 h 07 min
